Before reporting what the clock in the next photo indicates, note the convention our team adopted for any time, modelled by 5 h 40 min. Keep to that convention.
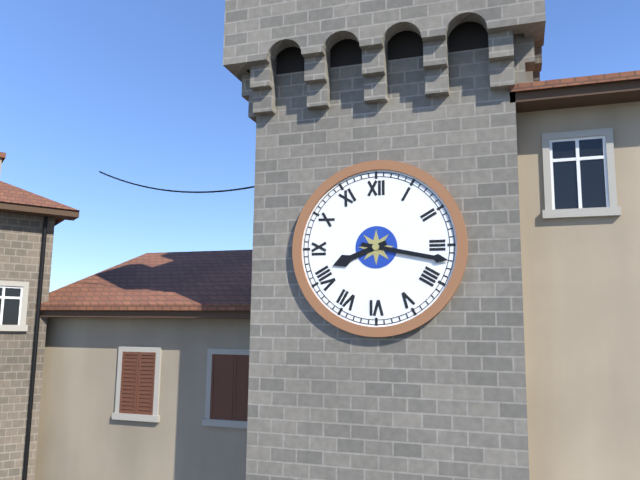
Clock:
8 h 17 min
